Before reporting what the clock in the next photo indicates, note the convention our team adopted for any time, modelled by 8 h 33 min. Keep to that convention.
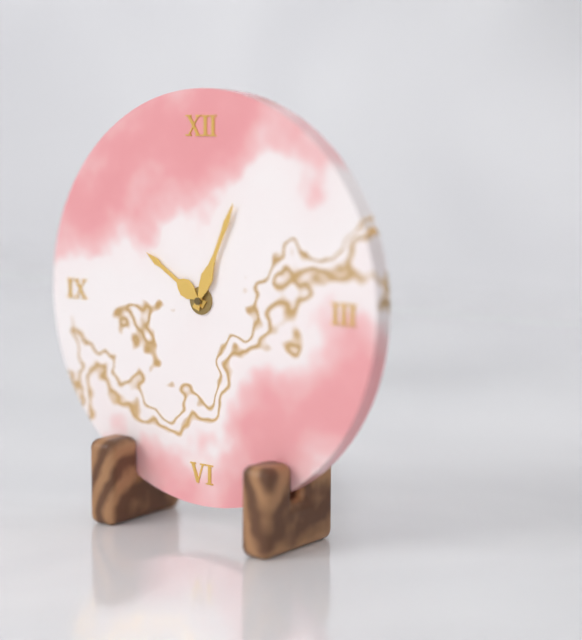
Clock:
10 h 04 min
